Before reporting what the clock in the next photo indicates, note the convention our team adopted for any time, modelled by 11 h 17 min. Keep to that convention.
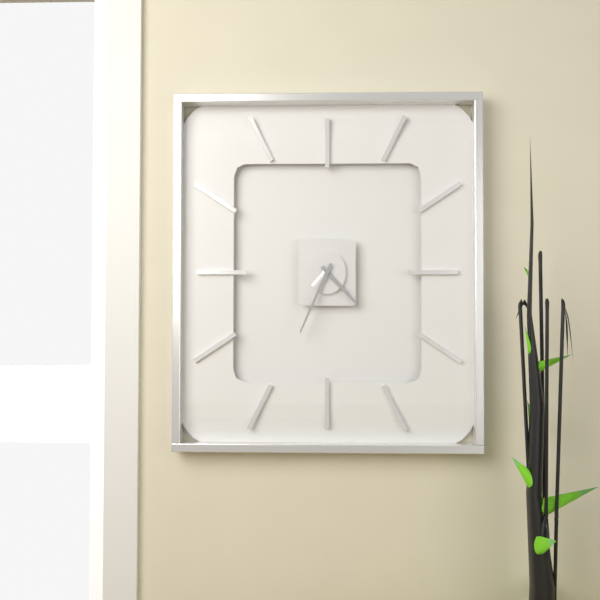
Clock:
4 h 34 min
